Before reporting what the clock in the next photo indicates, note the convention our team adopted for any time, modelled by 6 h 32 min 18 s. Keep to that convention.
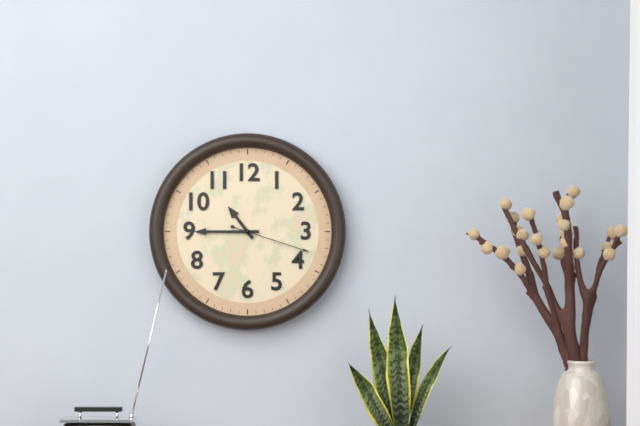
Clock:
10 h 45 min 18 s
